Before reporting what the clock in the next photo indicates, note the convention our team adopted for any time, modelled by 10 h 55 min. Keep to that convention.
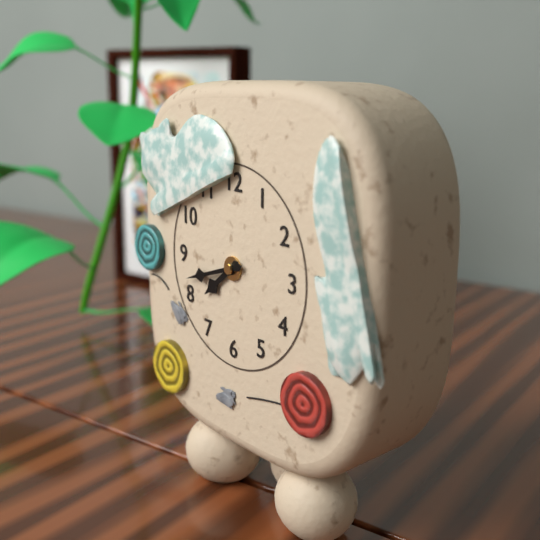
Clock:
7 h 42 min
